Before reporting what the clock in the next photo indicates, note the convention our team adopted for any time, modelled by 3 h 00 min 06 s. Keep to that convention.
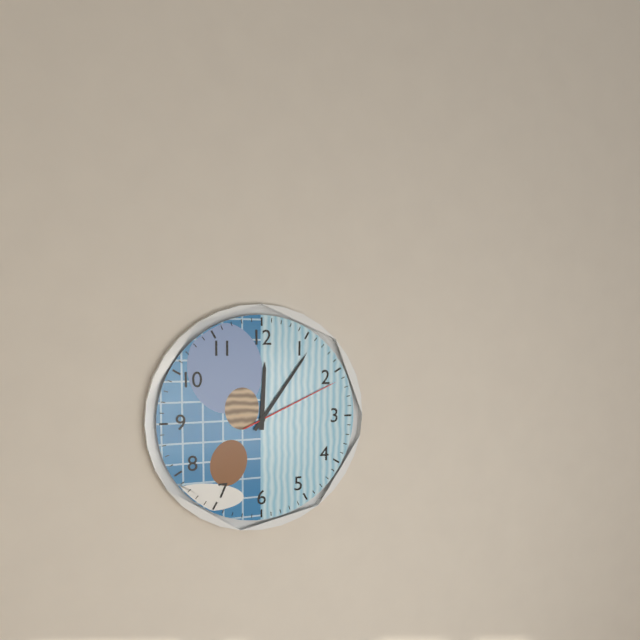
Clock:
12 h 06 min 11 s
